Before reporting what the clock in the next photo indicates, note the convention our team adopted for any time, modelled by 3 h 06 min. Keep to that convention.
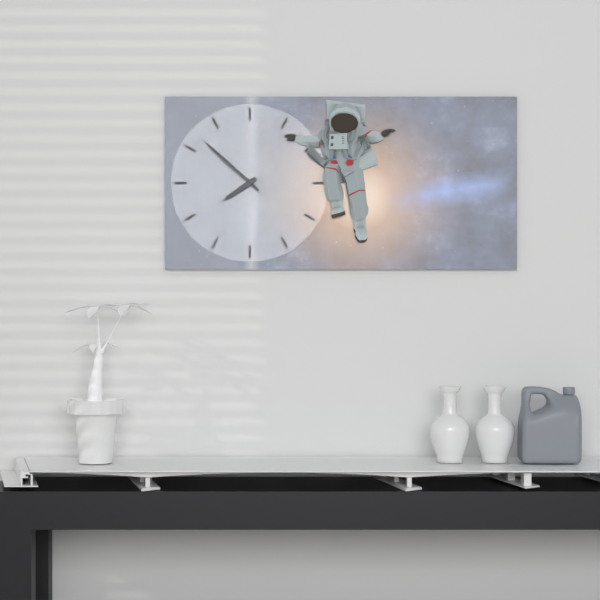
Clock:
7 h 52 min
